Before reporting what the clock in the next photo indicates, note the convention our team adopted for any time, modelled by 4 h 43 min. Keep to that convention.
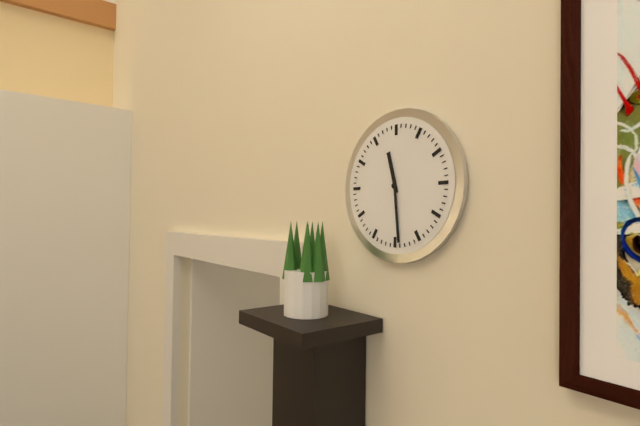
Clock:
11 h 29 min
